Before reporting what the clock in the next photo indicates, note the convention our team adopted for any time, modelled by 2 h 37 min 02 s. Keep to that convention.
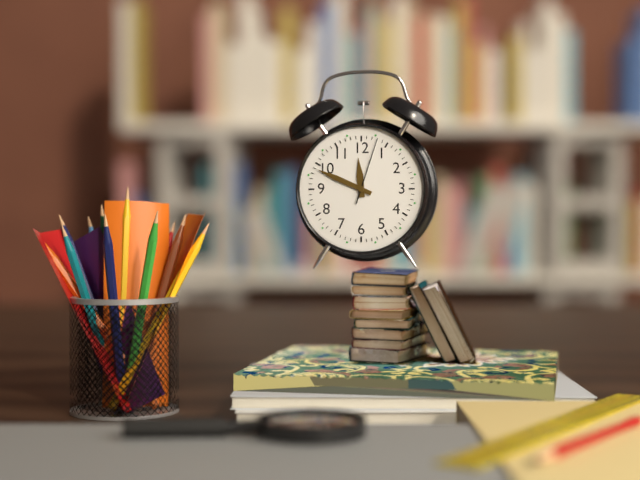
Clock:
11 h 49 min 03 s
